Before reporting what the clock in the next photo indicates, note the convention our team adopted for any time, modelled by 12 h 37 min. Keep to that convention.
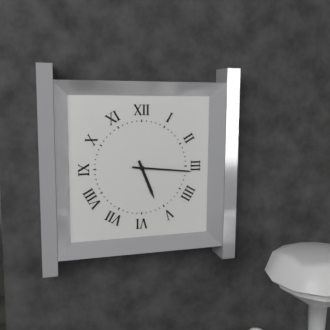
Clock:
5 h 16 min
